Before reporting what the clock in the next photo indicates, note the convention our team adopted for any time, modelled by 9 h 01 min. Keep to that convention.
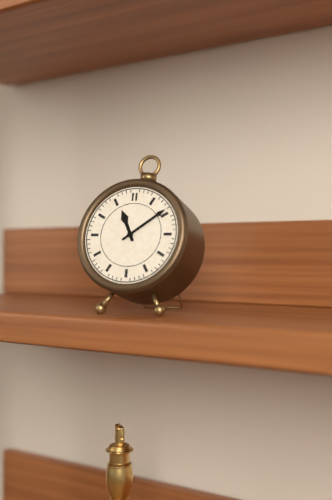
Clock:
11 h 09 min
